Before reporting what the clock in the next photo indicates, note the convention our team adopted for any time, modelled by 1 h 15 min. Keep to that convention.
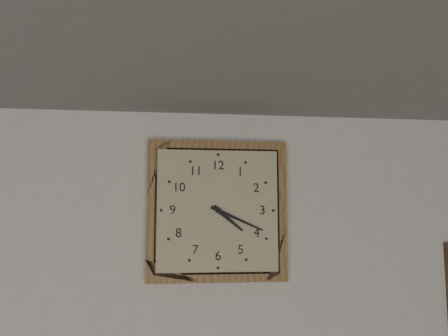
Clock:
4 h 19 min
